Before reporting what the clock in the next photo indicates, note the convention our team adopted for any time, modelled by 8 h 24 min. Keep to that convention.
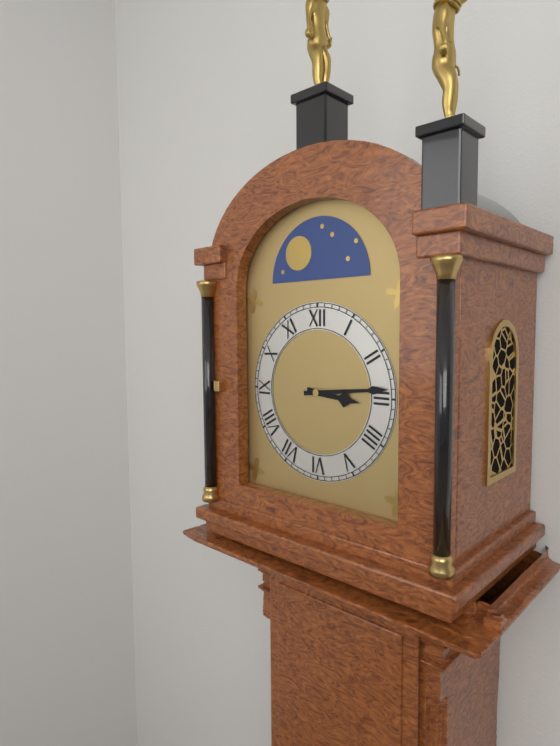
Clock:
3 h 14 min
